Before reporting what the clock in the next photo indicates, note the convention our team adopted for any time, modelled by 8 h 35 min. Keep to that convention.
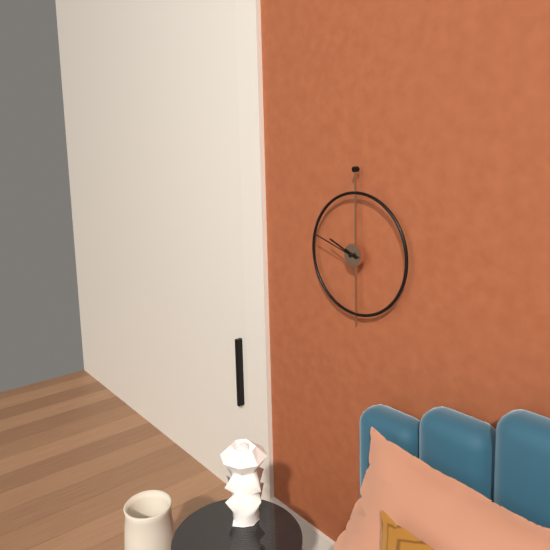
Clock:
9 h 48 min
